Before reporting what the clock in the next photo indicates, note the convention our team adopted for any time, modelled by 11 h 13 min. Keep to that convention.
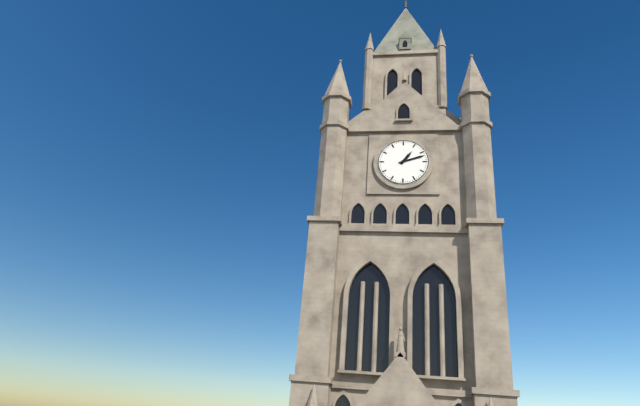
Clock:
1 h 12 min
